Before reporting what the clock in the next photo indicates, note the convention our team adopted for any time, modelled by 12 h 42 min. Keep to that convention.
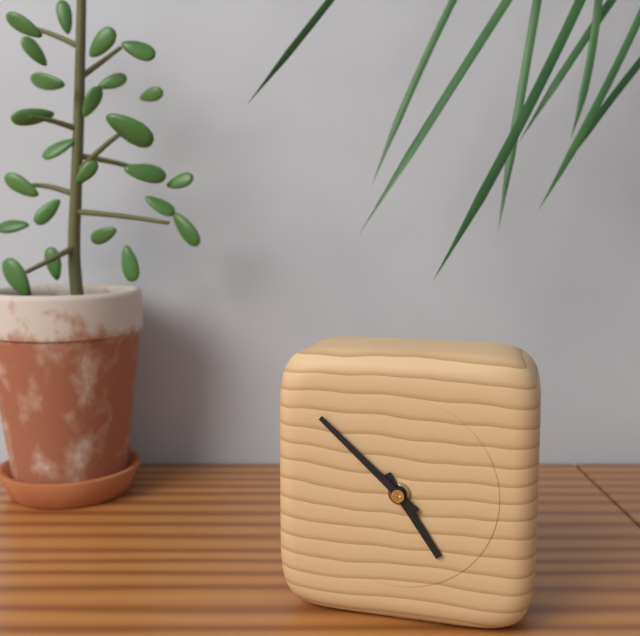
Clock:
4 h 52 min
